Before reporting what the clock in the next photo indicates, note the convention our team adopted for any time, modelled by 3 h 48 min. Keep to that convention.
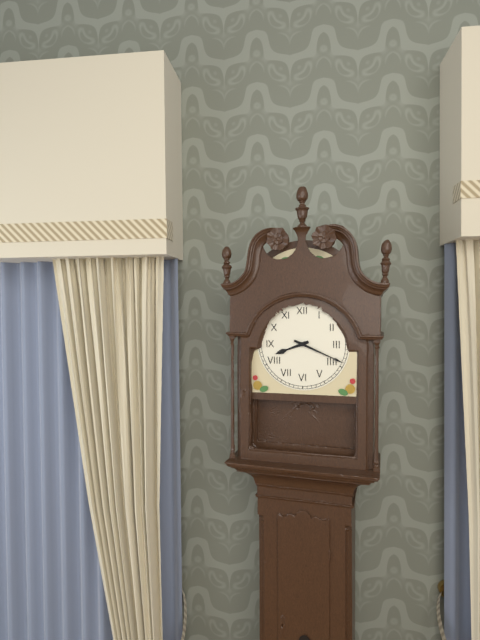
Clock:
8 h 19 min
